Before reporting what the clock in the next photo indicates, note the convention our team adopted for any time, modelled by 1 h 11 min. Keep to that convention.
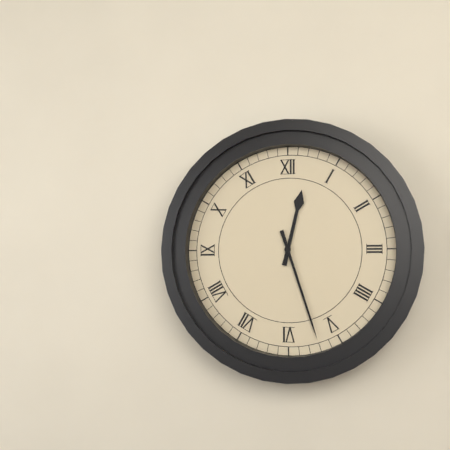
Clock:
12 h 27 min
